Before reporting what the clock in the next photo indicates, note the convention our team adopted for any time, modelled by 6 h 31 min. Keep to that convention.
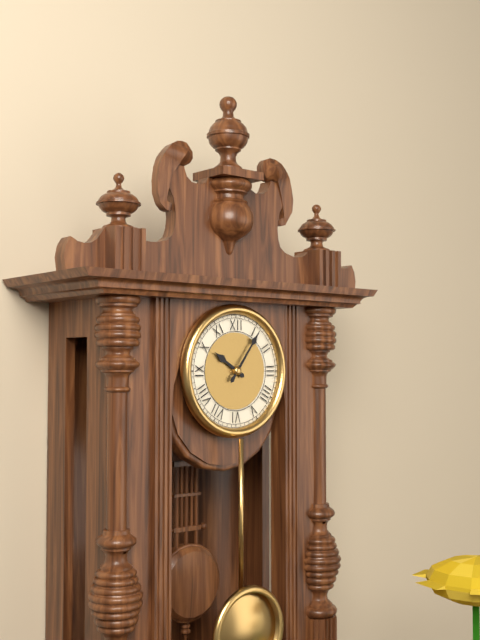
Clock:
10 h 06 min
